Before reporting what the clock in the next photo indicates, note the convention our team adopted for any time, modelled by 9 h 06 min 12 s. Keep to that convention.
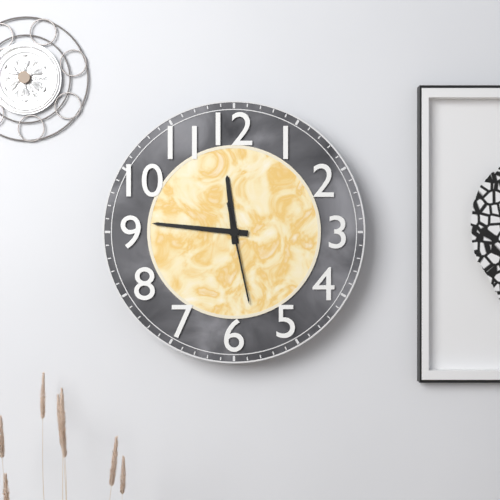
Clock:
11 h 46 min 28 s
